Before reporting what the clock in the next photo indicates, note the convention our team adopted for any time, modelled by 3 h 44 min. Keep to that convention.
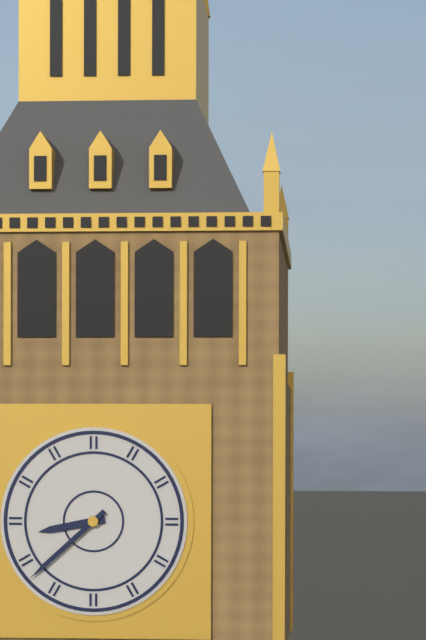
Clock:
8 h 38 min
